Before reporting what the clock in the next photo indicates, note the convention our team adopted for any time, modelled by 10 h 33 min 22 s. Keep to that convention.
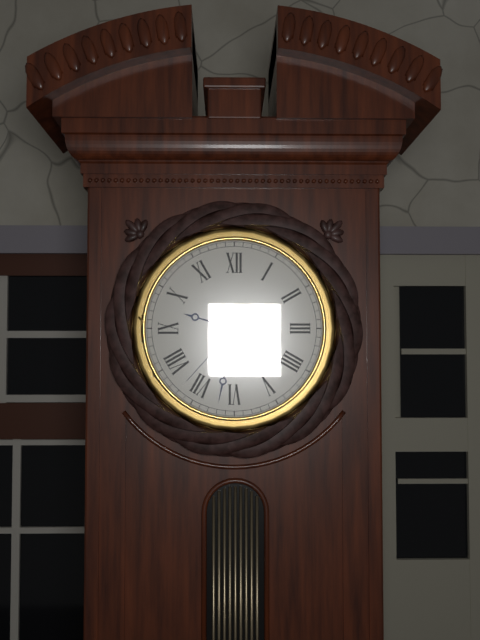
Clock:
9 h 32 min 37 s
